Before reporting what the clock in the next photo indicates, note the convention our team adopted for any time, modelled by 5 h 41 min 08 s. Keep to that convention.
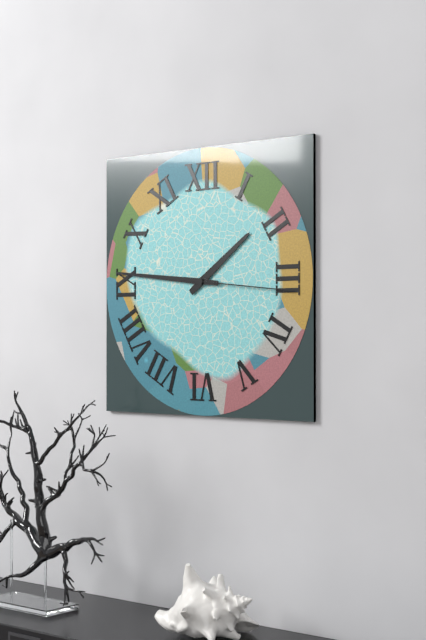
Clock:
1 h 46 min 16 s
